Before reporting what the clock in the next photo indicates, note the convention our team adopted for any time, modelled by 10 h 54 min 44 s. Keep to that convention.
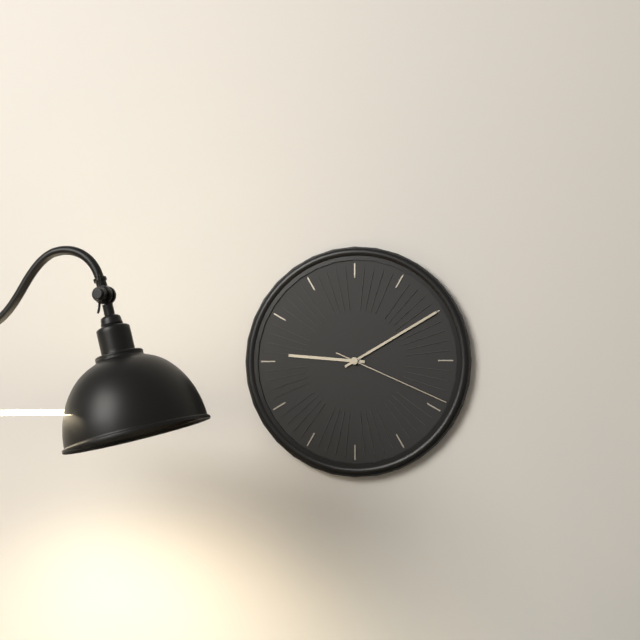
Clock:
9 h 10 min 19 s
